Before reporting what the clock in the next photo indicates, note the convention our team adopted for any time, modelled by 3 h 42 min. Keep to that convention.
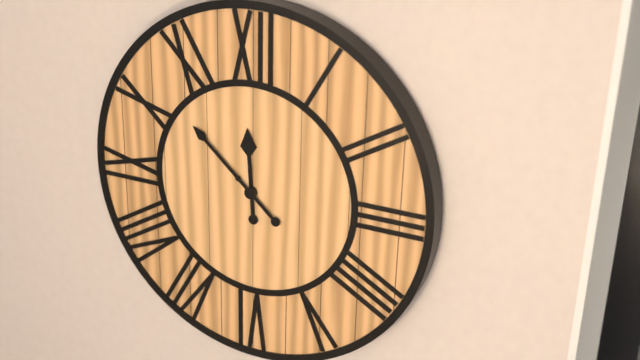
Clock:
11 h 52 min
